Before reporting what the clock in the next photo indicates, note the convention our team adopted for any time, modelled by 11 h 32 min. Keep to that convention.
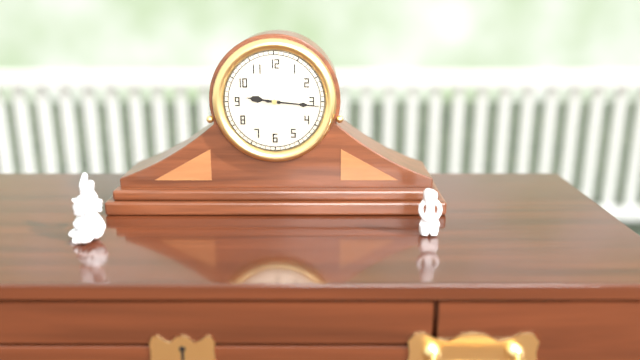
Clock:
9 h 16 min
